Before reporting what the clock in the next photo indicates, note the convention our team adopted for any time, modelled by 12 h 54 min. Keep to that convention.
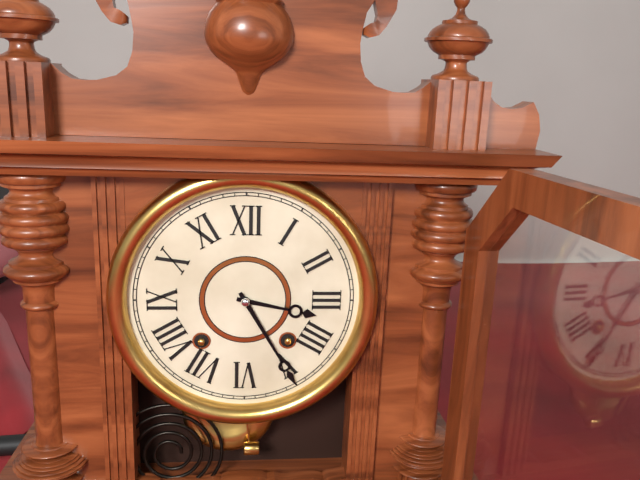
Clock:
3 h 25 min
